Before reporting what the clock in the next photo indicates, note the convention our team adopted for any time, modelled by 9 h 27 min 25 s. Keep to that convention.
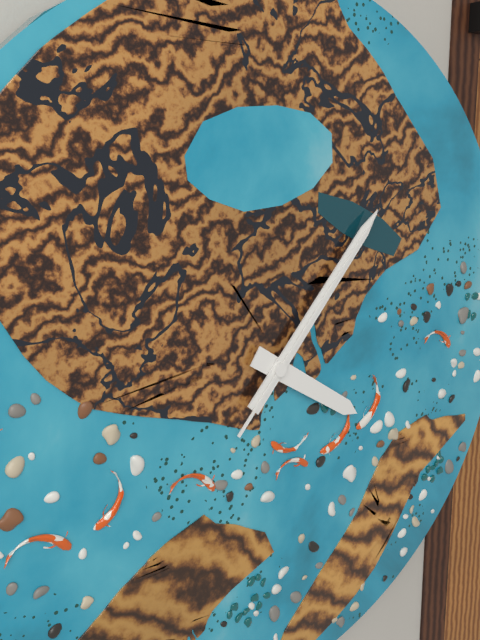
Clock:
4 h 07 min 07 s
